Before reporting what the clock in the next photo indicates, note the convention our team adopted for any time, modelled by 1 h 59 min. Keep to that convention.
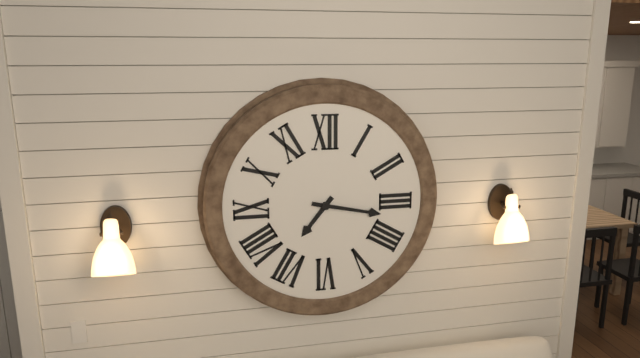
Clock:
7 h 17 min
